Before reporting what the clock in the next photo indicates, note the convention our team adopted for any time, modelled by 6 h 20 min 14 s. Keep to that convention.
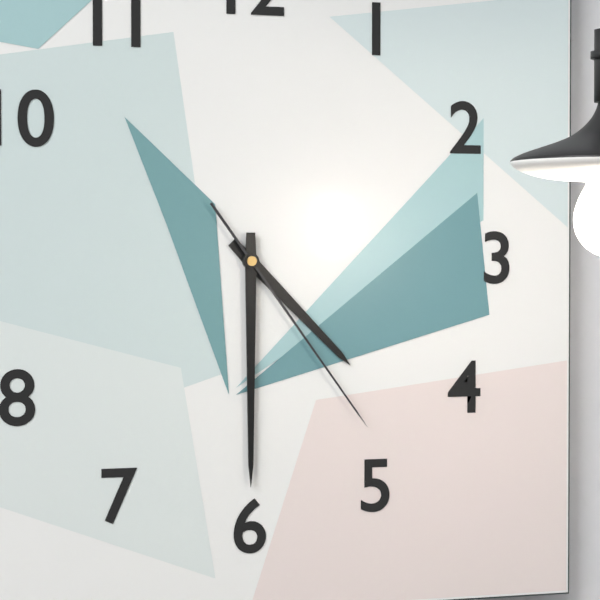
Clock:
4 h 30 min 24 s
